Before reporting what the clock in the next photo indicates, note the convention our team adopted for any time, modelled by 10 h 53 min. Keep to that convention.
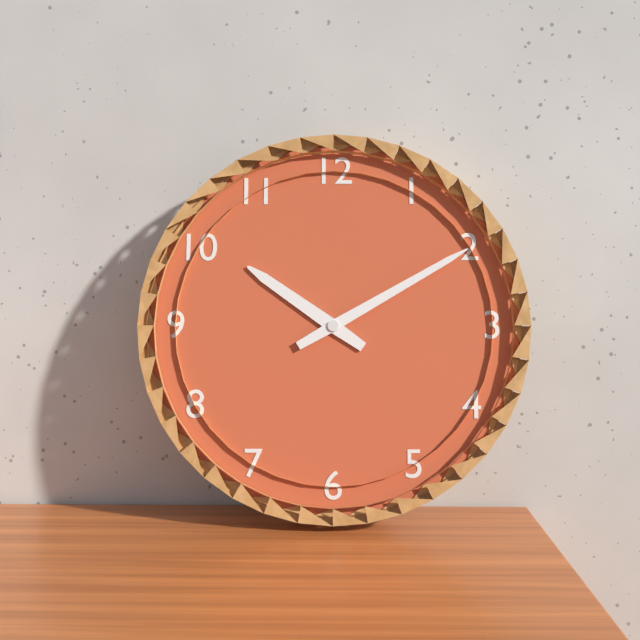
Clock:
10 h 10 min
